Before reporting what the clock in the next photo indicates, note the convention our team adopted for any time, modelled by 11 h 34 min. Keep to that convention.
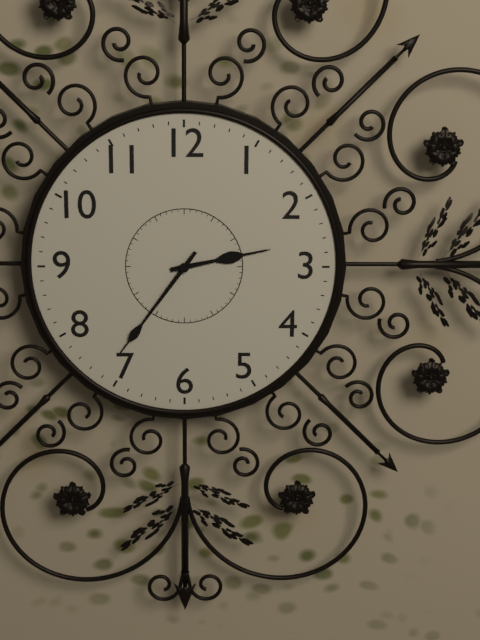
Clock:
2 h 36 min
